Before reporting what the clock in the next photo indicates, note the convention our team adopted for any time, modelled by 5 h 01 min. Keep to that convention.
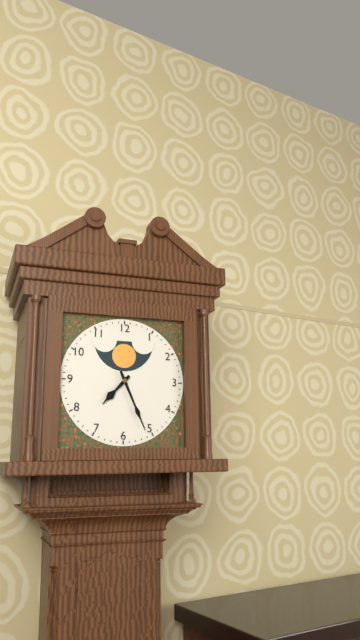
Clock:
7 h 26 min
